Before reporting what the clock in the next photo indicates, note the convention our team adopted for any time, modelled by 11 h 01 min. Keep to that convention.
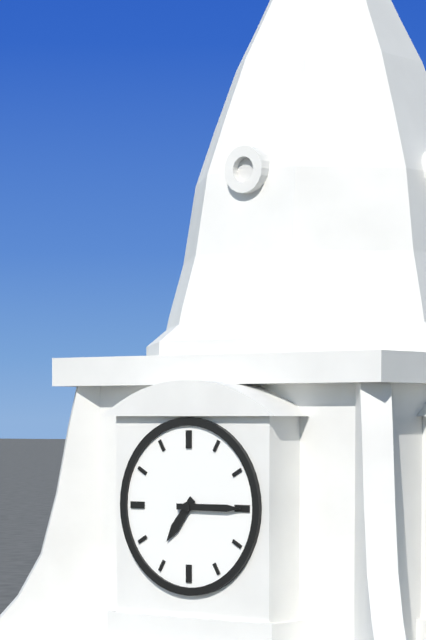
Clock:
7 h 15 min
